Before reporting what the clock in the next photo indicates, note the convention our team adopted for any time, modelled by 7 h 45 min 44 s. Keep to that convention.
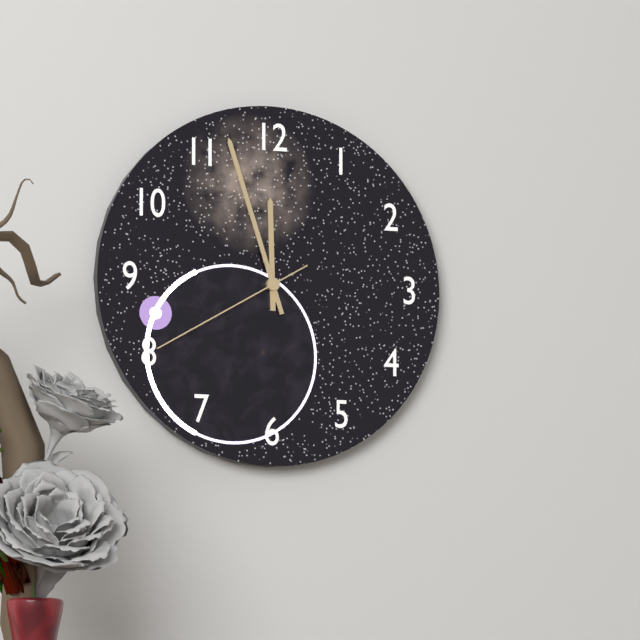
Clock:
11 h 57 min 40 s
